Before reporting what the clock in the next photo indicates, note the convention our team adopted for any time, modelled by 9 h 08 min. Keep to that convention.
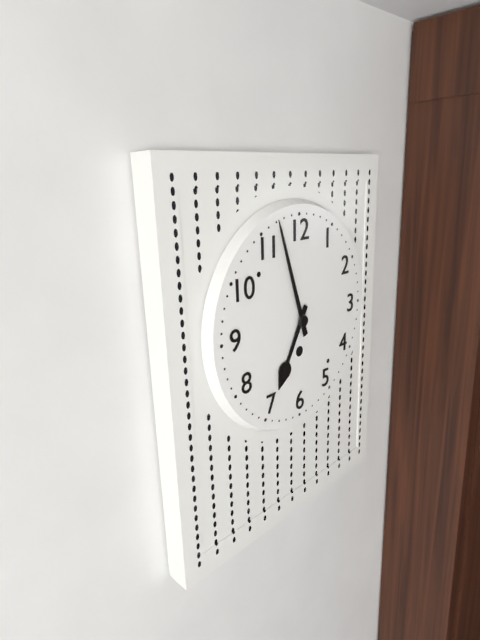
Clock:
6 h 57 min
